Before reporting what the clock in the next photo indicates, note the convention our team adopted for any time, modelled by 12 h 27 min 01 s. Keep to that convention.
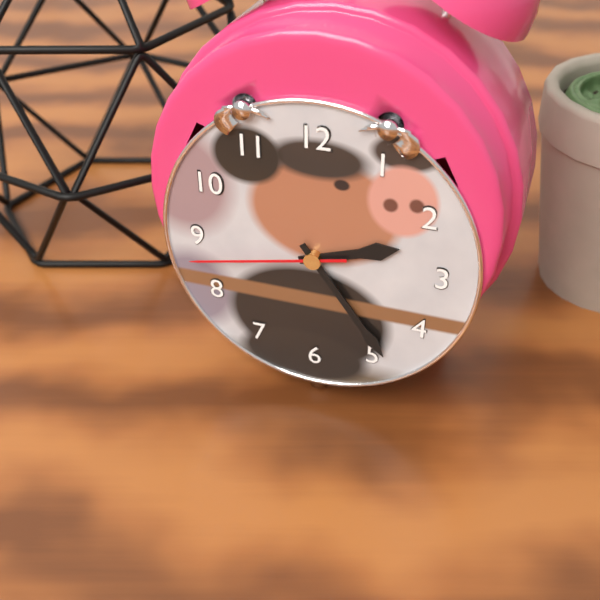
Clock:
2 h 24 min 43 s
